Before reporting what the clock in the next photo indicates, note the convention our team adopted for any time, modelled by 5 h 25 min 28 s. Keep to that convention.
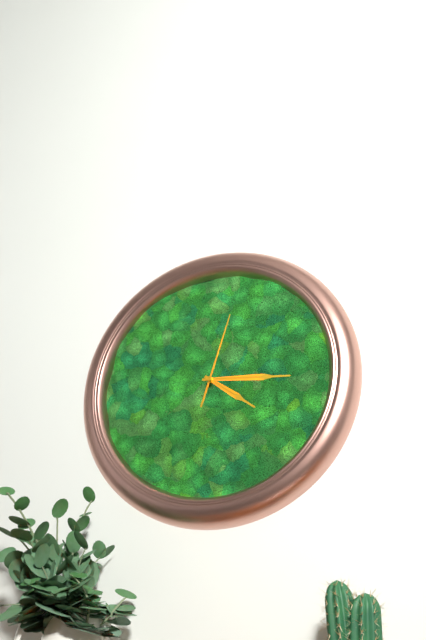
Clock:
4 h 16 min 03 s
